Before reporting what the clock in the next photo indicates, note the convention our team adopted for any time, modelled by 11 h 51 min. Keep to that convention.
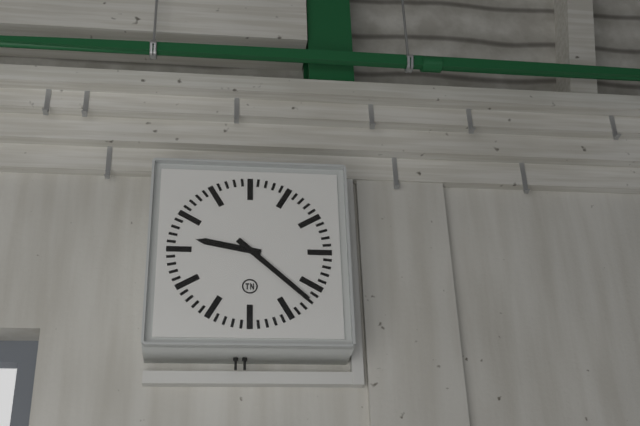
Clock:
9 h 22 min
